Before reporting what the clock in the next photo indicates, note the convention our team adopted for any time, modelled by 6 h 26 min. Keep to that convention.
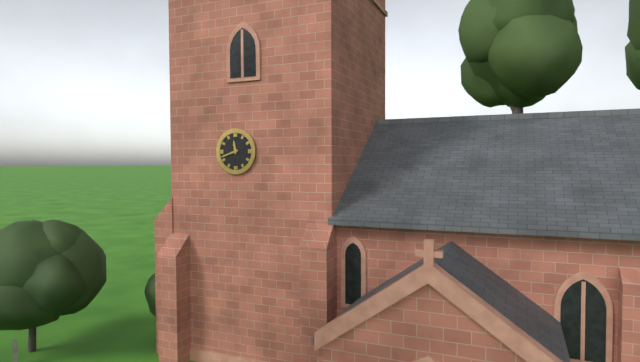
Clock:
11 h 42 min
